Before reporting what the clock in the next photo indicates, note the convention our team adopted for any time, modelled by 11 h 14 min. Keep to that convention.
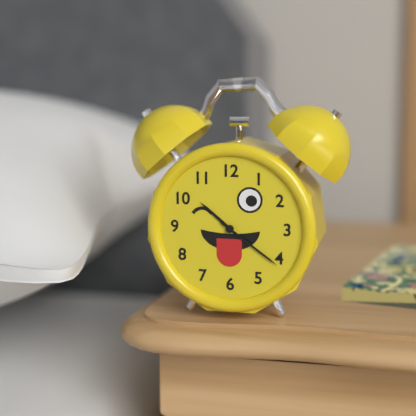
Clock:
10 h 21 min
